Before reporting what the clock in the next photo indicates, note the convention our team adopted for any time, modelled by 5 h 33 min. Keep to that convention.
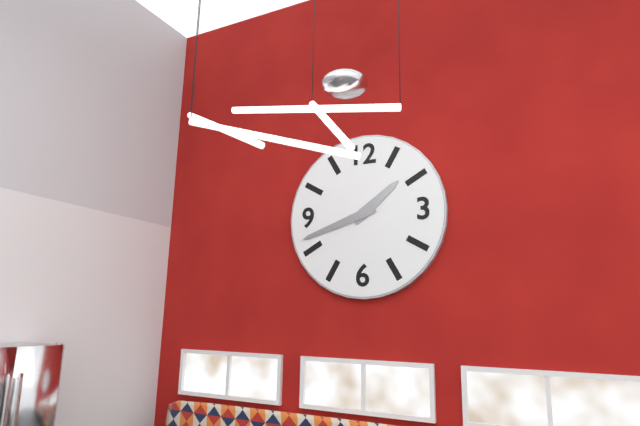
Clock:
1 h 42 min
